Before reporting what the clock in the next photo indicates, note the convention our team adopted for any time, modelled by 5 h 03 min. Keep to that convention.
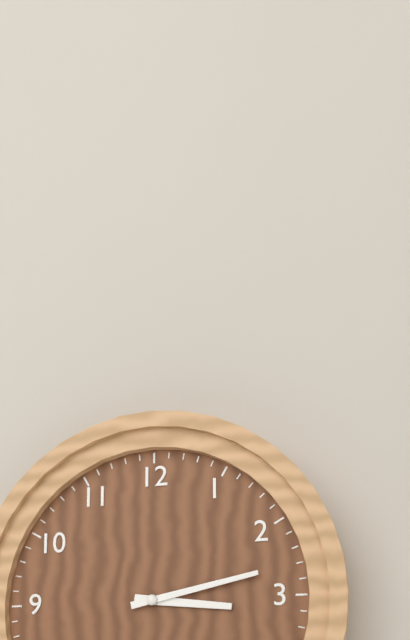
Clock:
3 h 13 min
